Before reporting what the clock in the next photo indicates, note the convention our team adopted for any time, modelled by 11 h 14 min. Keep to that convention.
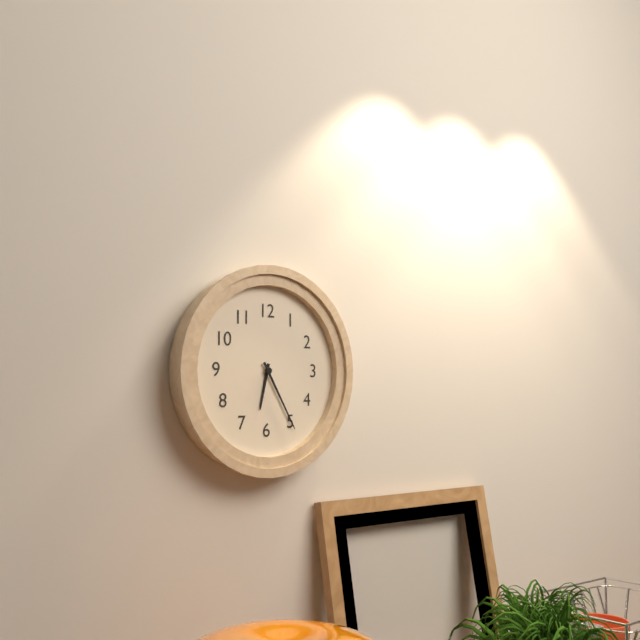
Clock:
6 h 25 min
